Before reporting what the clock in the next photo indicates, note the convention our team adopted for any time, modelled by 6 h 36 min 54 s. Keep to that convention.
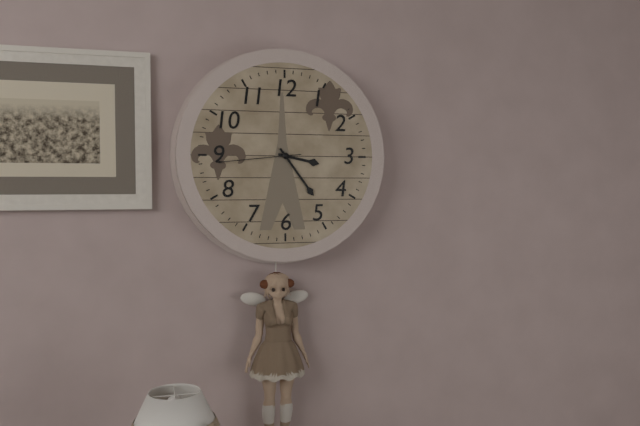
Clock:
3 h 24 min 44 s
